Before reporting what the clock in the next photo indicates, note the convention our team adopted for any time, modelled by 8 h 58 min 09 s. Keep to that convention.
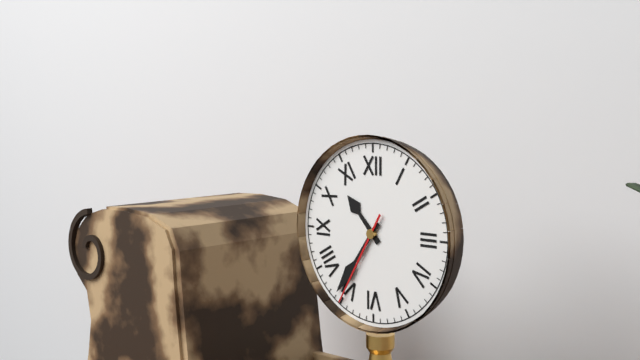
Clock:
10 h 36 min 35 s
